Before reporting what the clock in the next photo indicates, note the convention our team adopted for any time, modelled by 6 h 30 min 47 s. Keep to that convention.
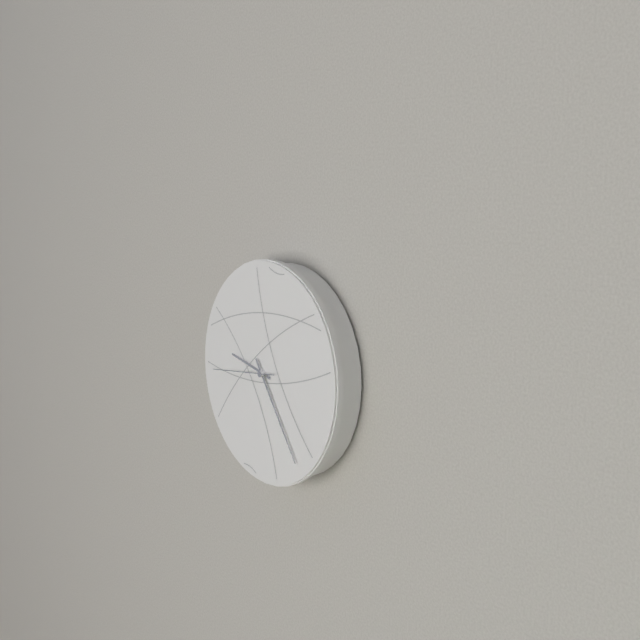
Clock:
9 h 24 min 44 s
